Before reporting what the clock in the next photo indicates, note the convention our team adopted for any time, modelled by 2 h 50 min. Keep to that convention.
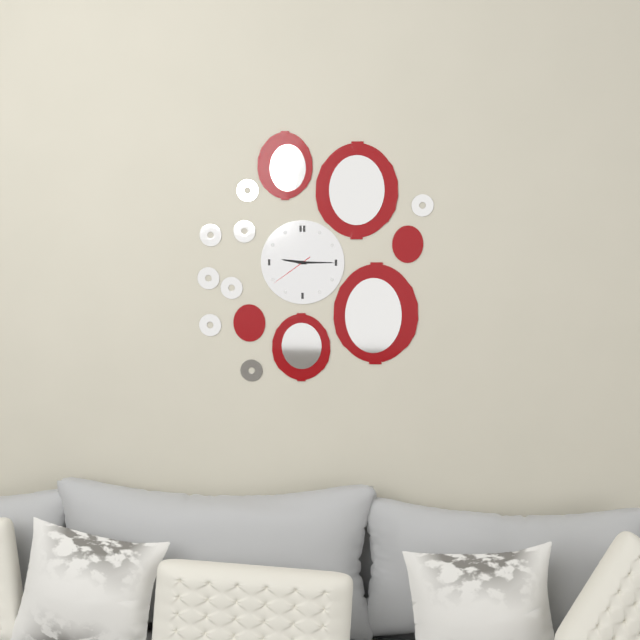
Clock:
9 h 15 min
